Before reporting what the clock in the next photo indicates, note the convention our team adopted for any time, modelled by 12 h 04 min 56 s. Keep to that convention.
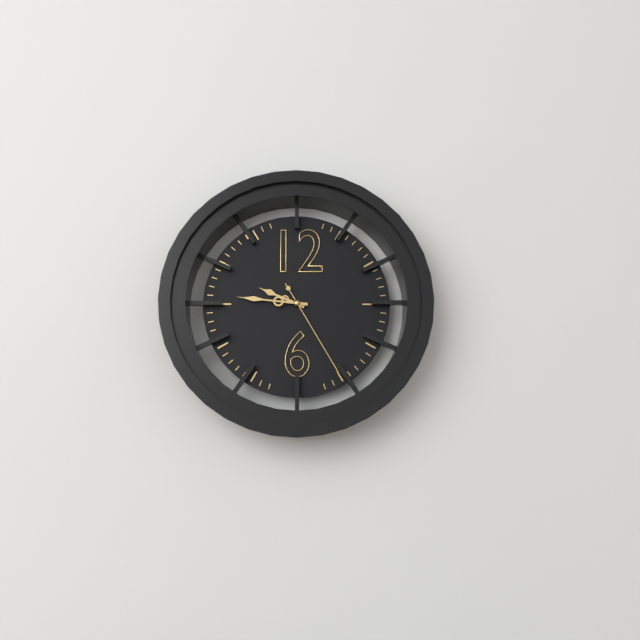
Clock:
9 h 46 min 25 s
